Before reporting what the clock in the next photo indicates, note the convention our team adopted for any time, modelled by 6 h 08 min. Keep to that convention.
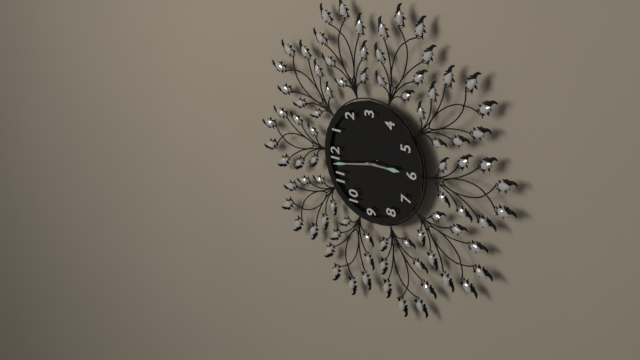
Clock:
5 h 58 min
